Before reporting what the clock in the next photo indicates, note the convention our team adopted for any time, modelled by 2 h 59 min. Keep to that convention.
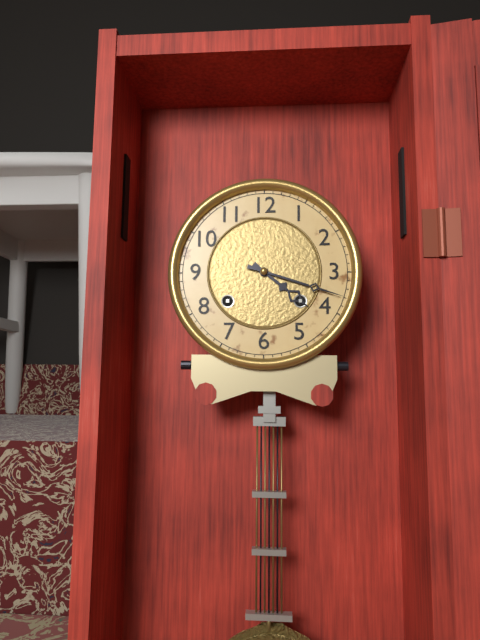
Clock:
4 h 18 min
